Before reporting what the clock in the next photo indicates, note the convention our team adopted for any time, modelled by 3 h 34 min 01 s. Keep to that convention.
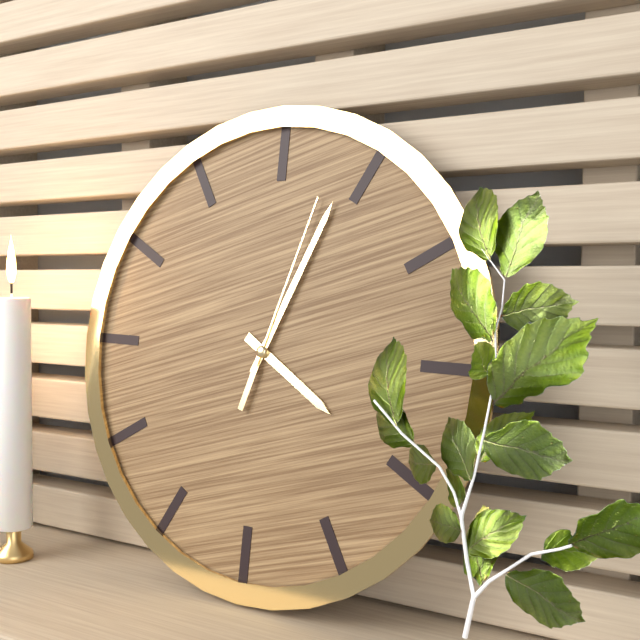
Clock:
4 h 04 min 03 s
